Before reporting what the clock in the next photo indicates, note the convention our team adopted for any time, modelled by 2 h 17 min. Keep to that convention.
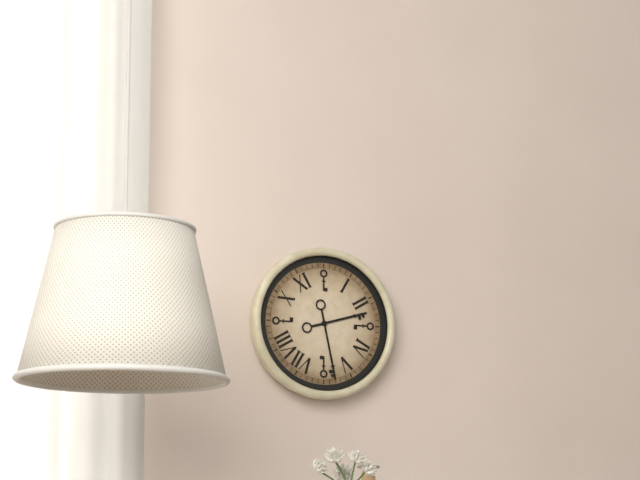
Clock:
2 h 28 min
